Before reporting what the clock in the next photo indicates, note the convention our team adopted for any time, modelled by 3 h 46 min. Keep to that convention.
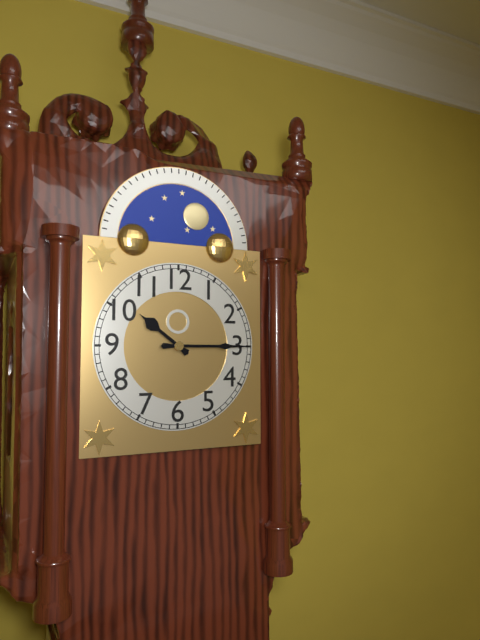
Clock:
10 h 15 min
